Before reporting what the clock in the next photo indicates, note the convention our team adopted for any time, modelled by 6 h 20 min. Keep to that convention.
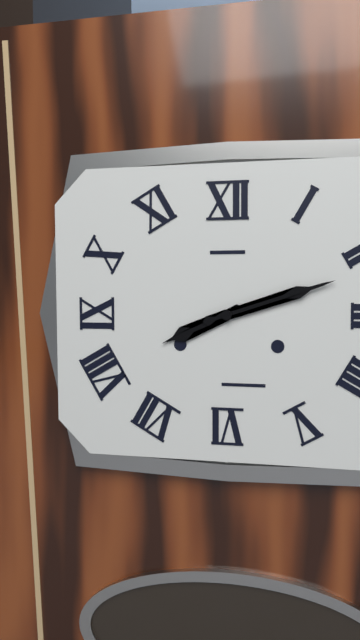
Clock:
8 h 12 min
